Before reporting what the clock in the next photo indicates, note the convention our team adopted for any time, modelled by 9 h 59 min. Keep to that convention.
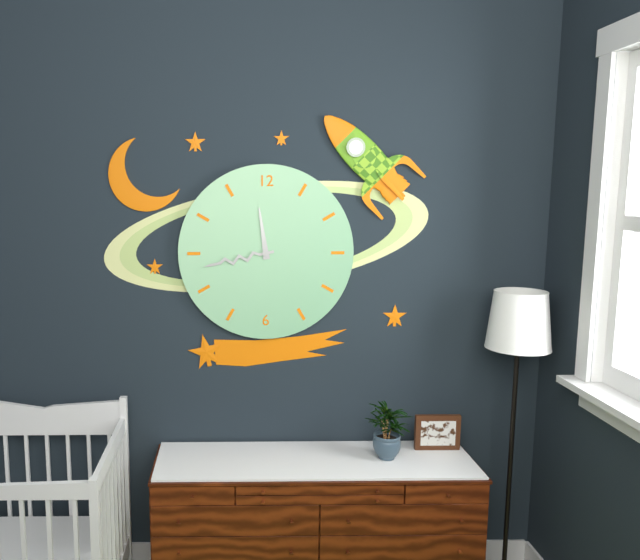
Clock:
11 h 43 min
